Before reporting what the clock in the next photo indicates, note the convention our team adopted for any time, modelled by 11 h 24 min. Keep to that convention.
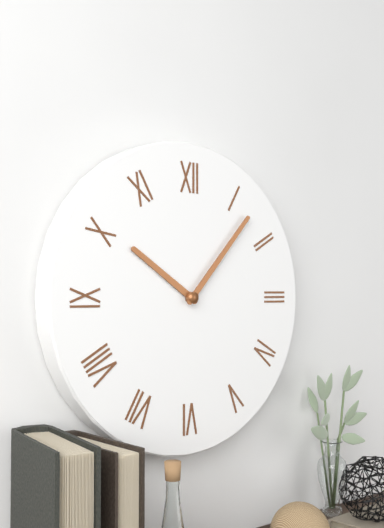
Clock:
10 h 07 min
